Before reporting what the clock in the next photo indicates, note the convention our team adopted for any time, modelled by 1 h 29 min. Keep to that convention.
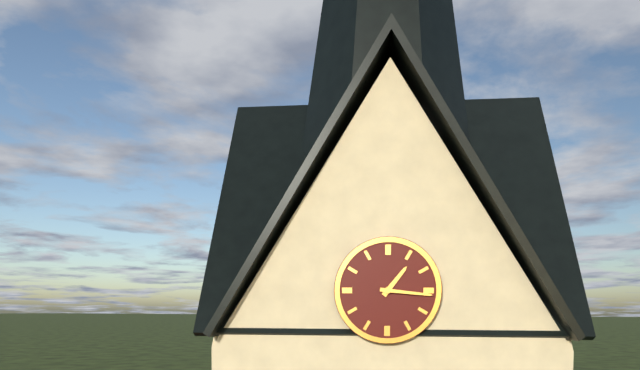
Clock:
1 h 16 min
